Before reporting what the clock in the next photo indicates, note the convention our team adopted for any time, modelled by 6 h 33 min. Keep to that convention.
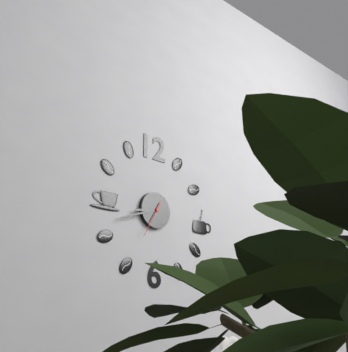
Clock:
8 h 42 min
